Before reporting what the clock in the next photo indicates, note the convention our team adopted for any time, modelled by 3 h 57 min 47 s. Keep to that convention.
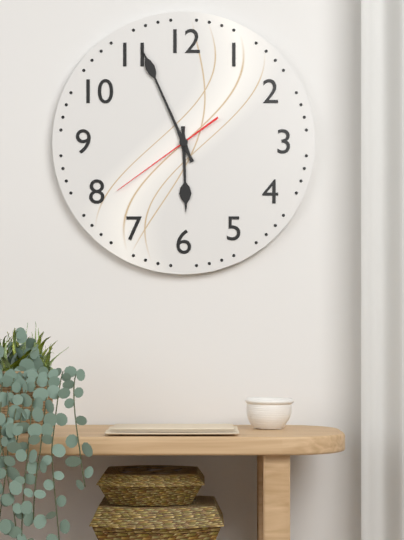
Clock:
5 h 56 min 39 s
